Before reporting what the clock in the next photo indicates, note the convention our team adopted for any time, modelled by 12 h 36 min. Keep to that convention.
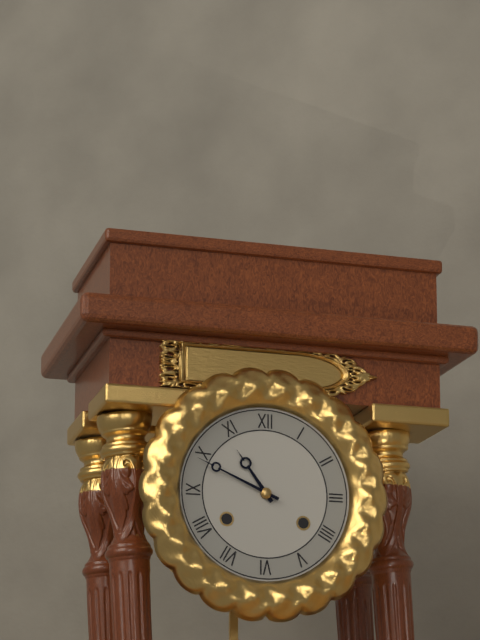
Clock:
10 h 49 min
